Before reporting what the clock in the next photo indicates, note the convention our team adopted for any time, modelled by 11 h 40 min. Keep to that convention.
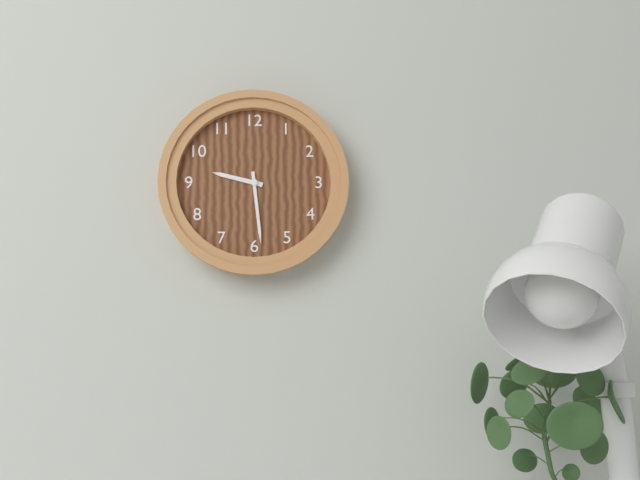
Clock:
9 h 29 min
